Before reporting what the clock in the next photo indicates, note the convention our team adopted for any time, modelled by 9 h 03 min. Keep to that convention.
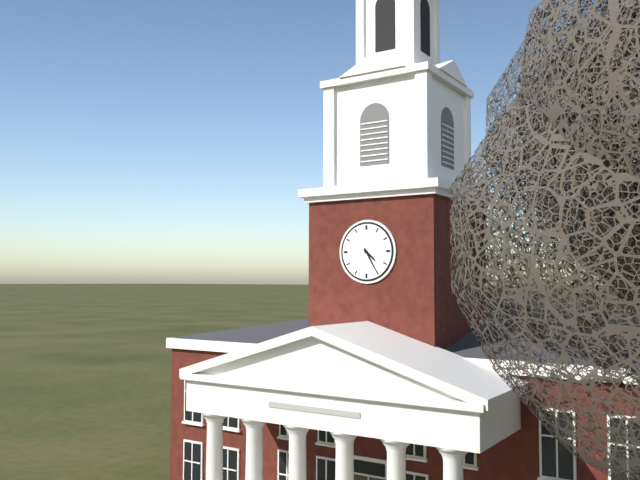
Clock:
4 h 25 min
